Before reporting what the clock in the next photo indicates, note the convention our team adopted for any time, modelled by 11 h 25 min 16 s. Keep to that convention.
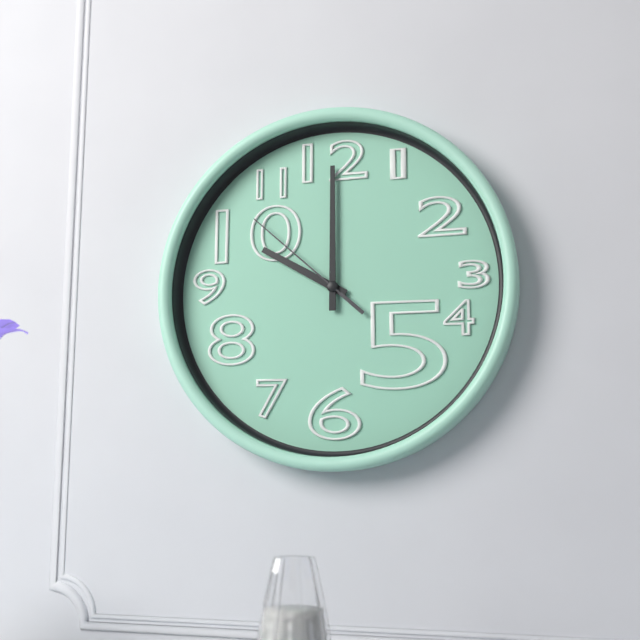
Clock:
10 h 00 min 52 s
